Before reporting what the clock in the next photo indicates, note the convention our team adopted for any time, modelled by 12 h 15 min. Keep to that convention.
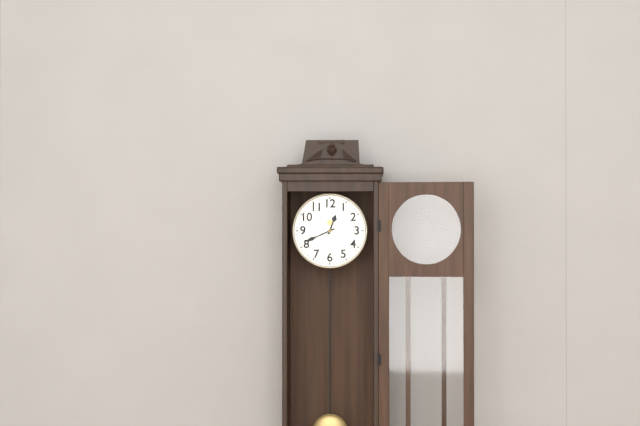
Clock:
12 h 41 min
